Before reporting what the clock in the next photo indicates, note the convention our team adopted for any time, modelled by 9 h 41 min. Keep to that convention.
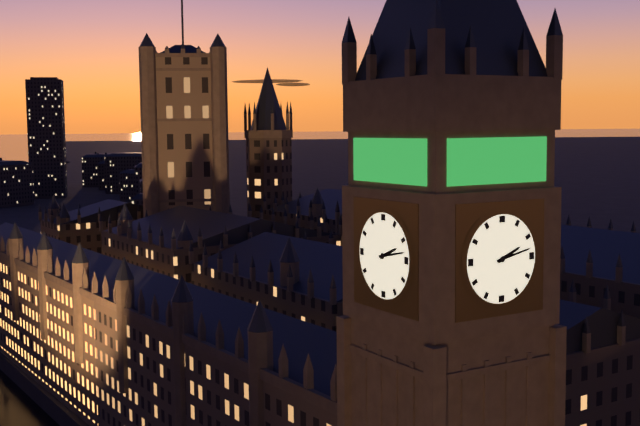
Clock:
2 h 13 min
